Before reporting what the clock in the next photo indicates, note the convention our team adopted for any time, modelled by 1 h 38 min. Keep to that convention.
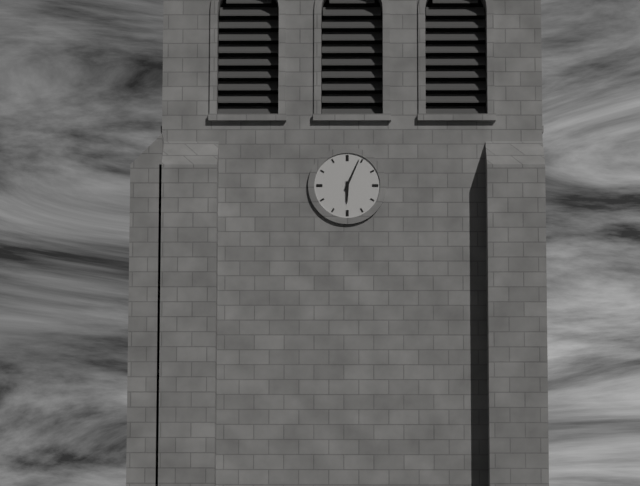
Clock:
6 h 04 min
